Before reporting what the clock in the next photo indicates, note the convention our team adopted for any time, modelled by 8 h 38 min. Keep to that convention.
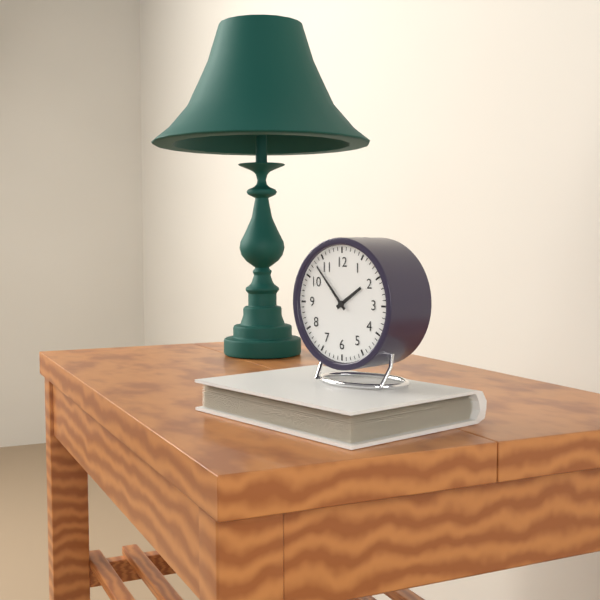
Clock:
1 h 53 min
